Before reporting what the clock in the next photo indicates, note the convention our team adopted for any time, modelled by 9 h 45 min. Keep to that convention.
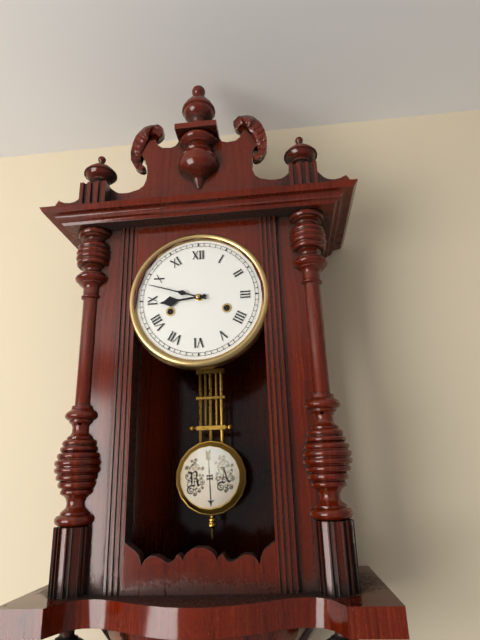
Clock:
8 h 48 min
